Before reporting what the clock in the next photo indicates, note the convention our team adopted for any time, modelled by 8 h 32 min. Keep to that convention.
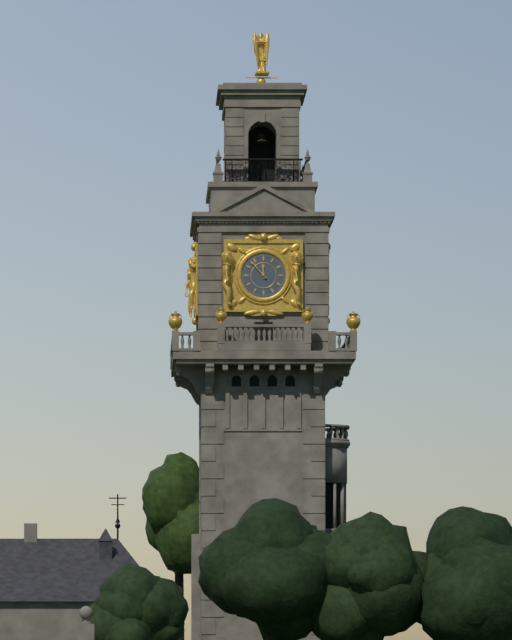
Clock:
11 h 53 min
